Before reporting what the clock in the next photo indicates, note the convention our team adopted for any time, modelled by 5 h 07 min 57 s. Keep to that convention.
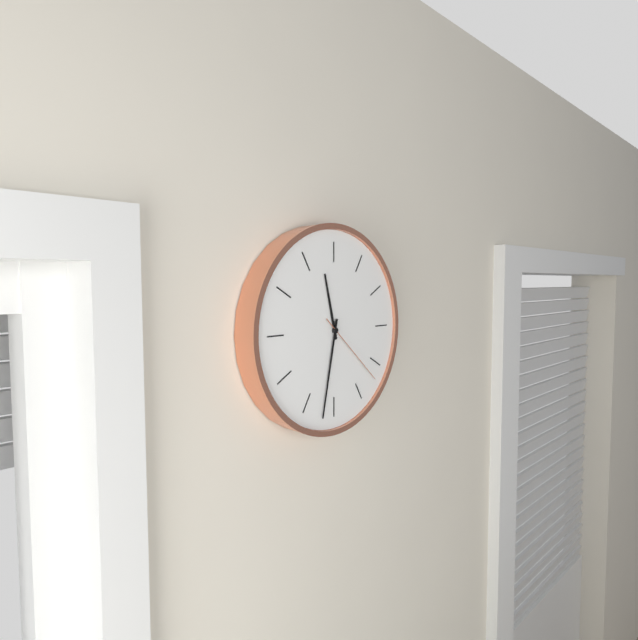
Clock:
11 h 32 min 22 s
